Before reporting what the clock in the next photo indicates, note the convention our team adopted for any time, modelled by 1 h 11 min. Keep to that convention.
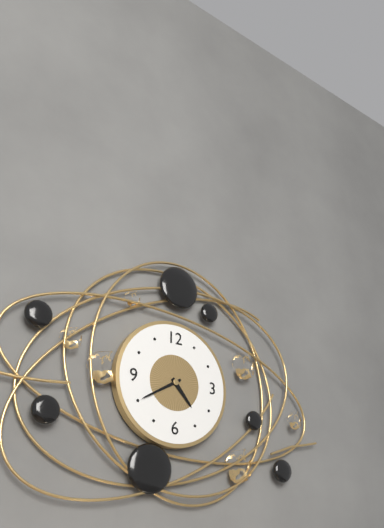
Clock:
4 h 40 min
